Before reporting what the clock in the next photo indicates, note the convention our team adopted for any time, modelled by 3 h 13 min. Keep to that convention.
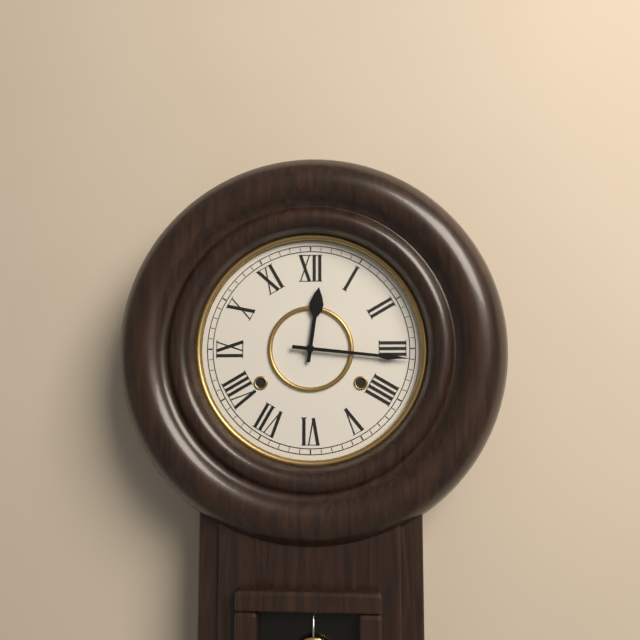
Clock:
12 h 16 min
